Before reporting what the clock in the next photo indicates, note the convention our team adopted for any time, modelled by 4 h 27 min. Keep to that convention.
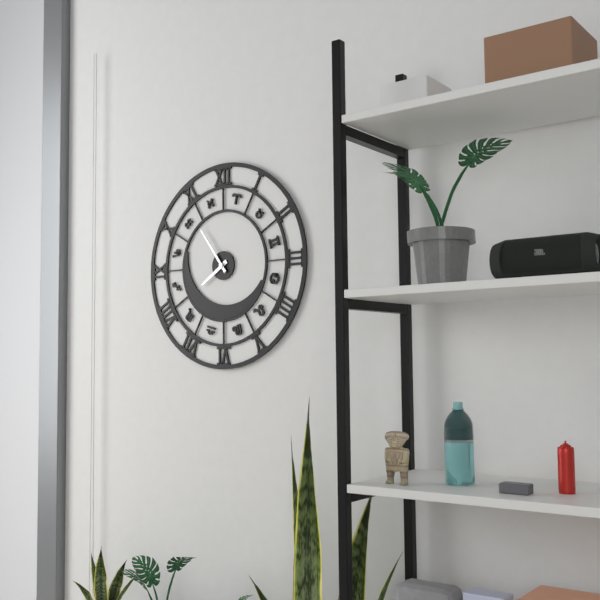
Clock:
7 h 54 min
